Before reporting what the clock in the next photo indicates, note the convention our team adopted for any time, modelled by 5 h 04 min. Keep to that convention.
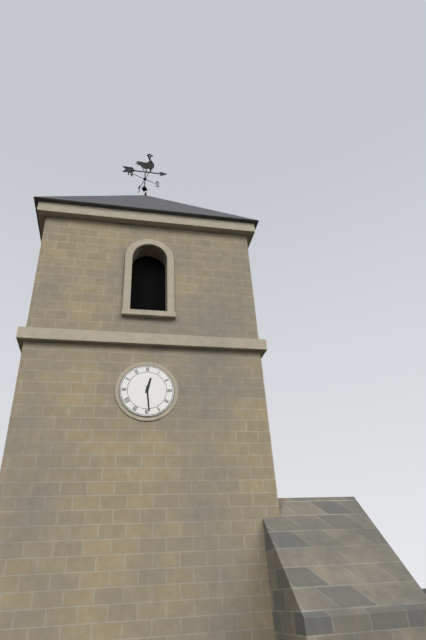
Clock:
12 h 29 min
